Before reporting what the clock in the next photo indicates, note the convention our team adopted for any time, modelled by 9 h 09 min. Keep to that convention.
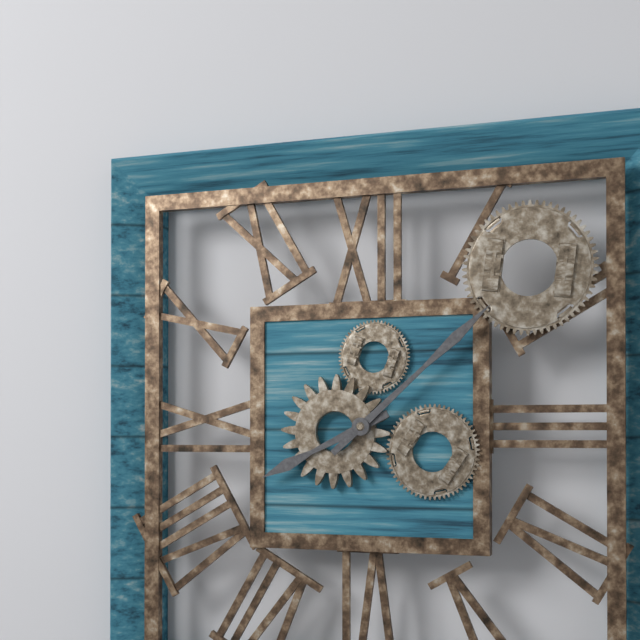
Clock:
8 h 08 min
